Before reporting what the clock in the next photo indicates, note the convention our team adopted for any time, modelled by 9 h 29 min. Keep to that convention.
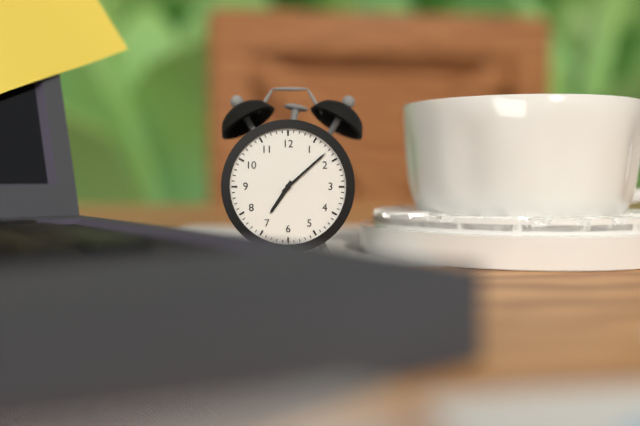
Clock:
7 h 08 min
